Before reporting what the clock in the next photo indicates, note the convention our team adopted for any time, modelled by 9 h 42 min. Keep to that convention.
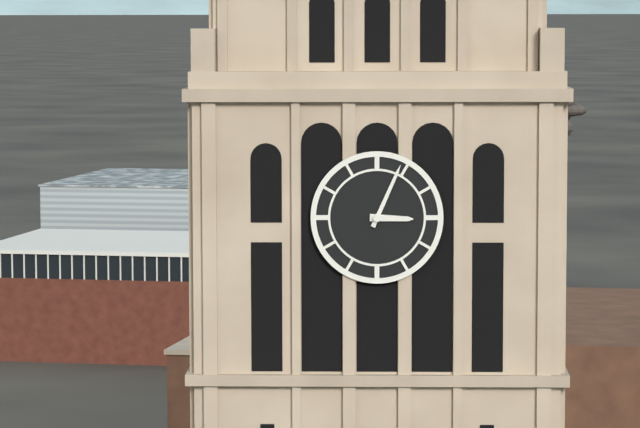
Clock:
3 h 04 min
